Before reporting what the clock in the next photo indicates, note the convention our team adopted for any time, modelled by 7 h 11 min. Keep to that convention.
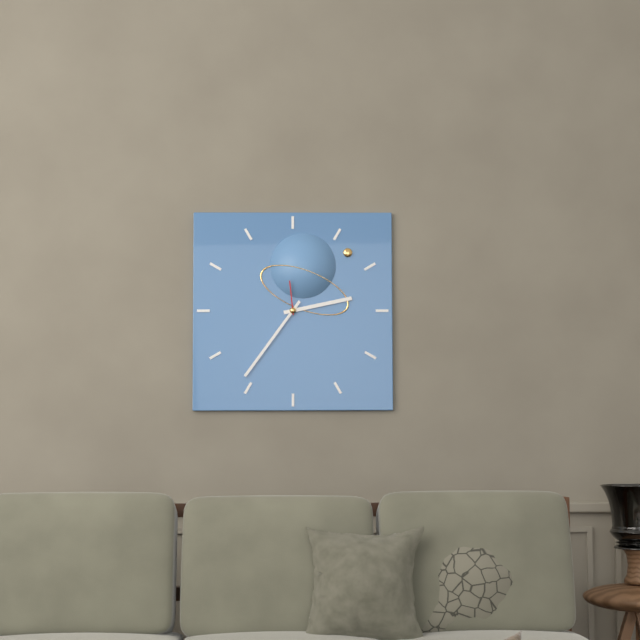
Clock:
2 h 36 min
